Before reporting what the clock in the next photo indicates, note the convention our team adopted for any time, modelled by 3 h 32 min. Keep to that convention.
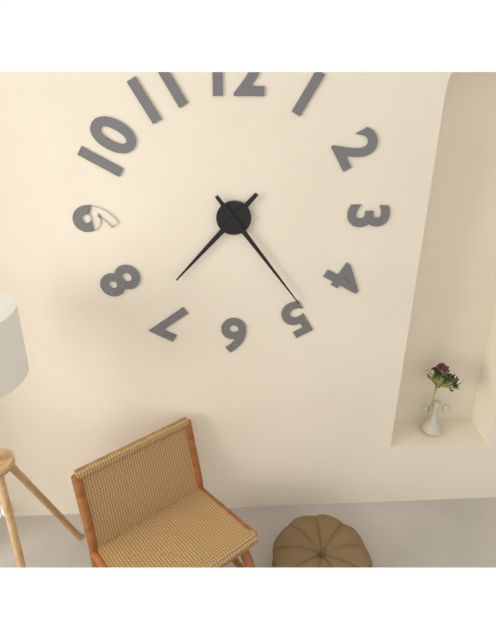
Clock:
7 h 24 min
